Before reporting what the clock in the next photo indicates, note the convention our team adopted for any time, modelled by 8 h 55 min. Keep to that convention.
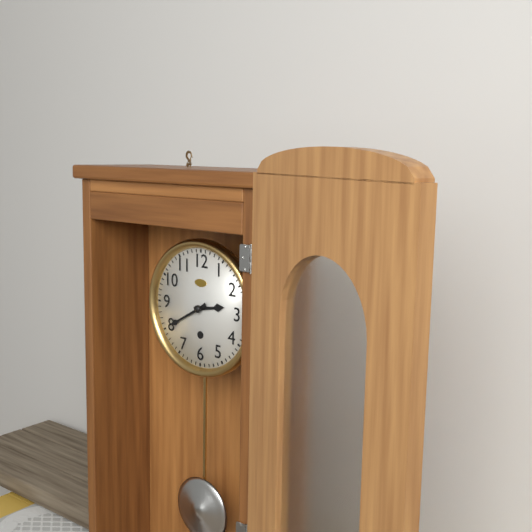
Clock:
2 h 40 min
